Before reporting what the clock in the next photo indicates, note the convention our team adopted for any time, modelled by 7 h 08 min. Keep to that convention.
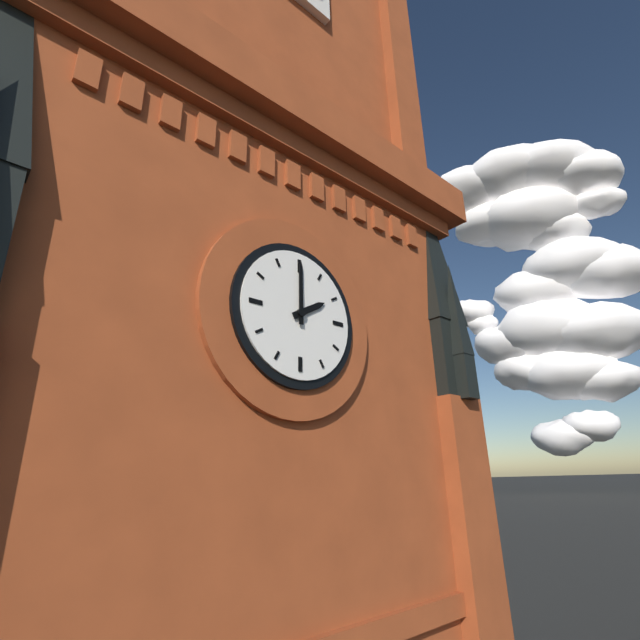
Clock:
2 h 00 min
